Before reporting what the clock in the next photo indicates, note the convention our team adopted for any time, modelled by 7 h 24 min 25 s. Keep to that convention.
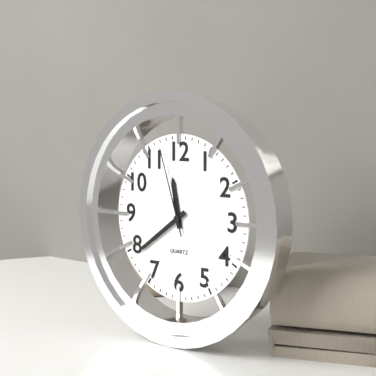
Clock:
11 h 39 min 57 s
